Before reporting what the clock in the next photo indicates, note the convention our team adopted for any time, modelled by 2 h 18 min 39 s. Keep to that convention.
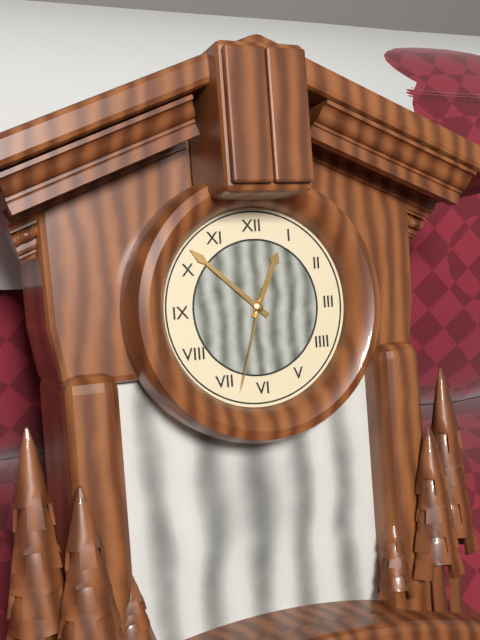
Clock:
12 h 52 min 33 s
